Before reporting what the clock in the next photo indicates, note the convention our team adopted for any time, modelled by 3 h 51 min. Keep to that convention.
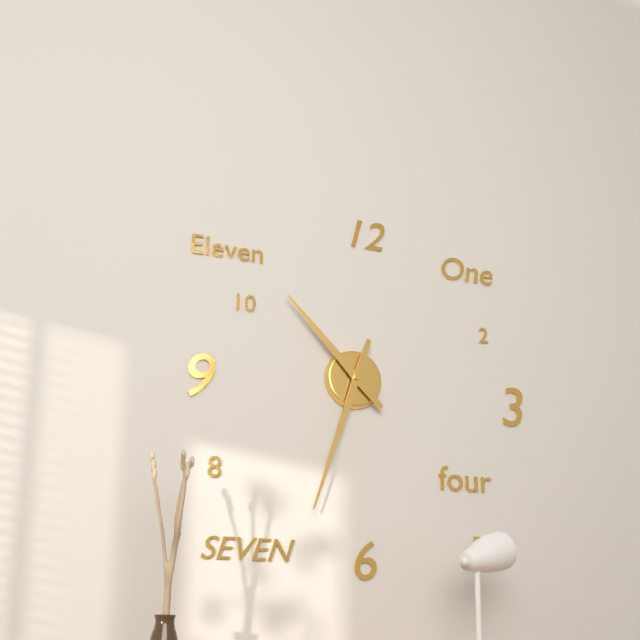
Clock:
10 h 33 min
